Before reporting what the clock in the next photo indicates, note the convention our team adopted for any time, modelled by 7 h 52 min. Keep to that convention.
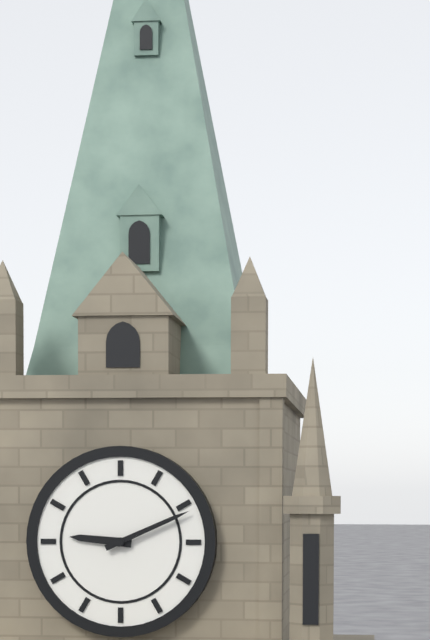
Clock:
9 h 11 min
